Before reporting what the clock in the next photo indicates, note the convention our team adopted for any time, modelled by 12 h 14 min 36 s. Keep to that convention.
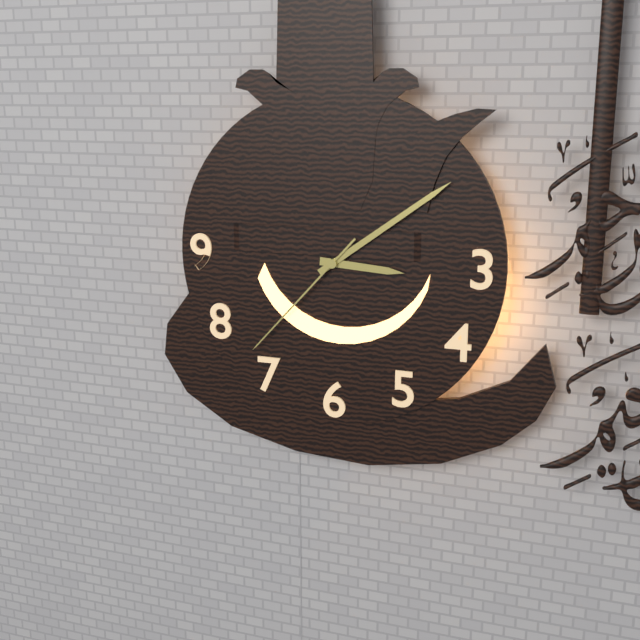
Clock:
3 h 09 min 37 s
